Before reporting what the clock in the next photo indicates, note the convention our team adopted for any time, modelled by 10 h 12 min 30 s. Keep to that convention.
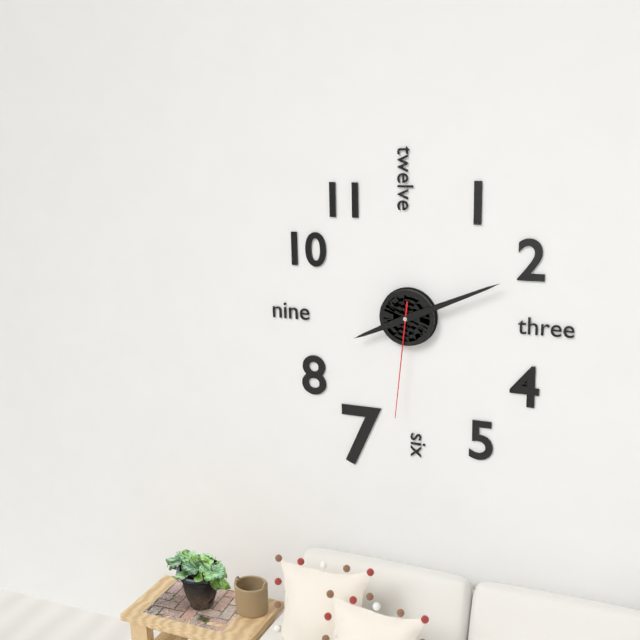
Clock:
8 h 11 min 31 s
